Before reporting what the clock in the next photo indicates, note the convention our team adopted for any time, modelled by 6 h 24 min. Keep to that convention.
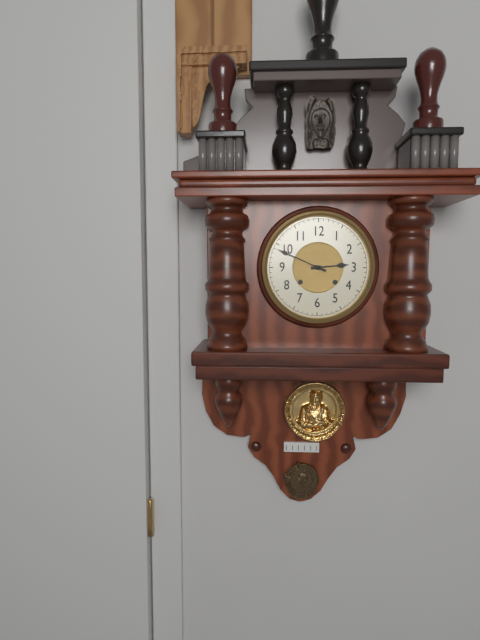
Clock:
2 h 49 min
